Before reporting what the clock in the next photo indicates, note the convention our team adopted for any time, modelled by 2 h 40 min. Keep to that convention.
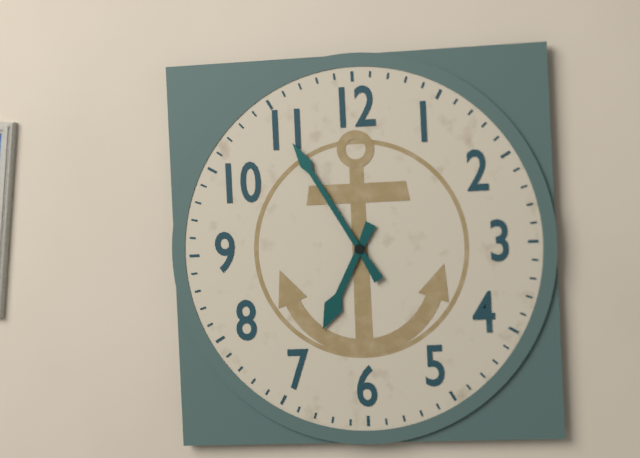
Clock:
6 h 55 min
